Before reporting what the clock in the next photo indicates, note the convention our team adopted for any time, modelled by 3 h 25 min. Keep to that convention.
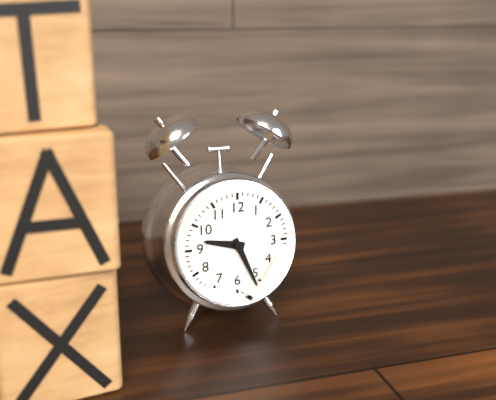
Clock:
9 h 26 min
